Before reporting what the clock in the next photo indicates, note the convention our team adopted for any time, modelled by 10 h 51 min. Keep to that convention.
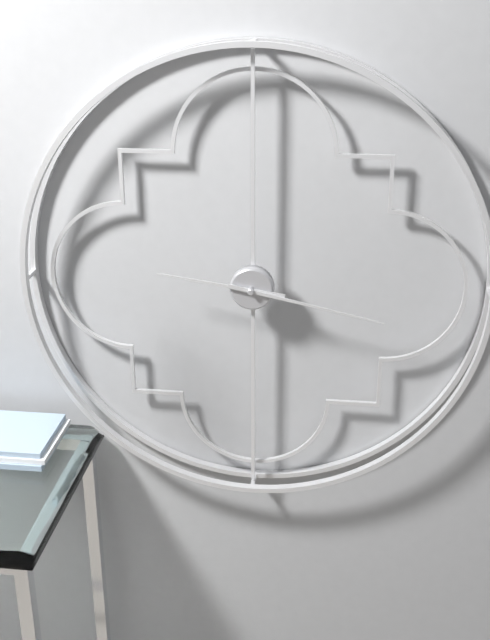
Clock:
9 h 17 min
